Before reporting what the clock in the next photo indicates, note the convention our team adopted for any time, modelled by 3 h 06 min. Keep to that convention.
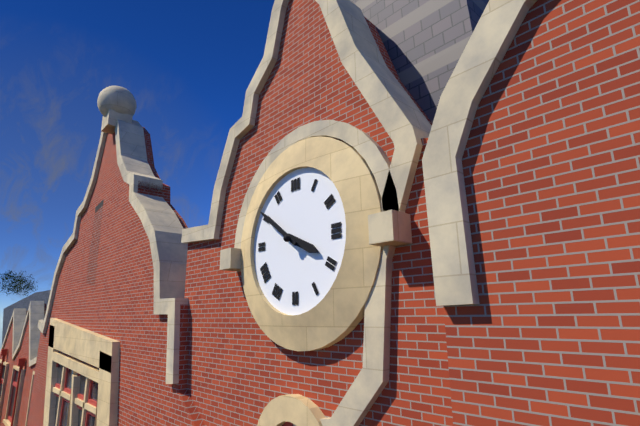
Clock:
3 h 51 min
